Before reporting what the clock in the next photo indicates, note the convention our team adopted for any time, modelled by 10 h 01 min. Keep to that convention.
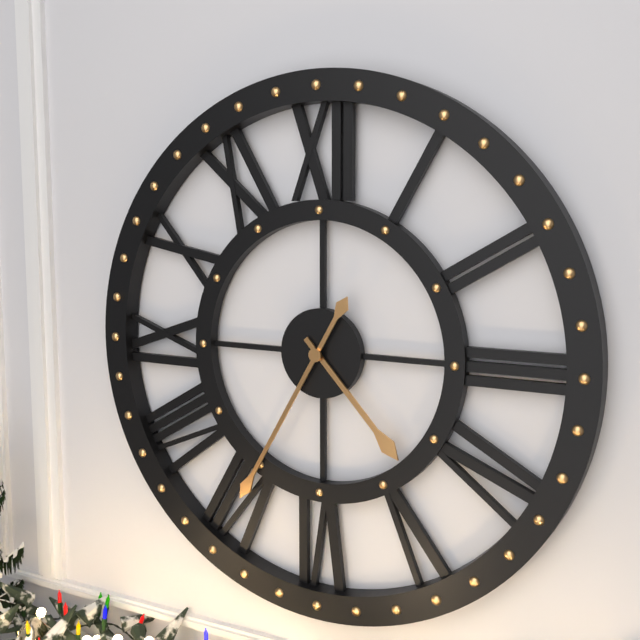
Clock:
4 h 35 min
